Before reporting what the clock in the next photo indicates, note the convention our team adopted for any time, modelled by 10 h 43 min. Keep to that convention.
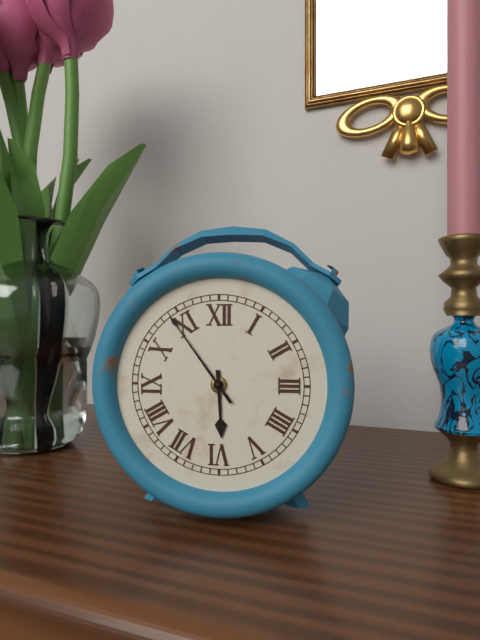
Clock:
5 h 54 min
